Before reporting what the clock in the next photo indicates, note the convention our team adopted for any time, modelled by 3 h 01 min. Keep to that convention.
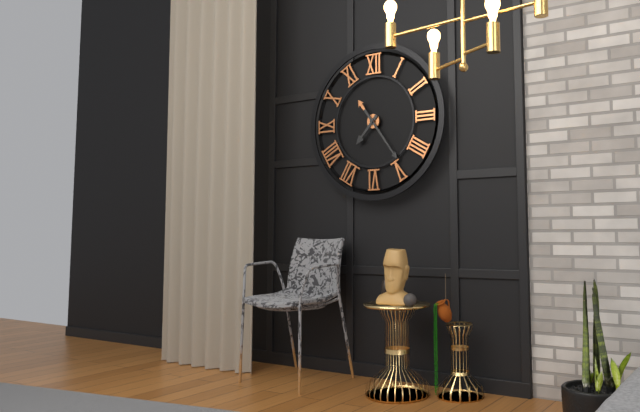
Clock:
7 h 24 min
